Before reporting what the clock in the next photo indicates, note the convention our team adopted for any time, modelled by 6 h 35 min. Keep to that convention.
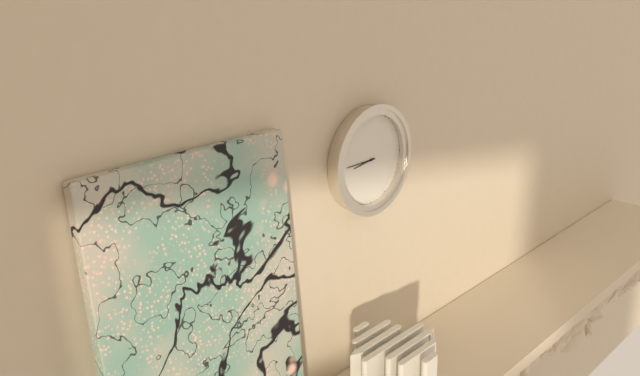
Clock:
8 h 45 min
